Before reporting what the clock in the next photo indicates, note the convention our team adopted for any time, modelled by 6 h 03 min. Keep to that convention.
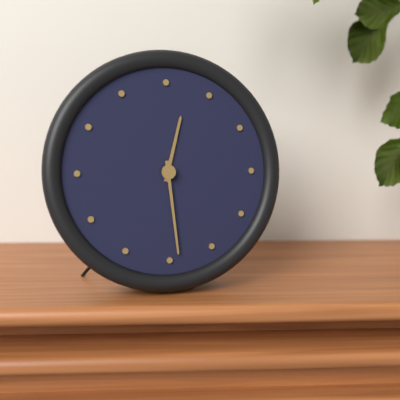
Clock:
12 h 29 min
